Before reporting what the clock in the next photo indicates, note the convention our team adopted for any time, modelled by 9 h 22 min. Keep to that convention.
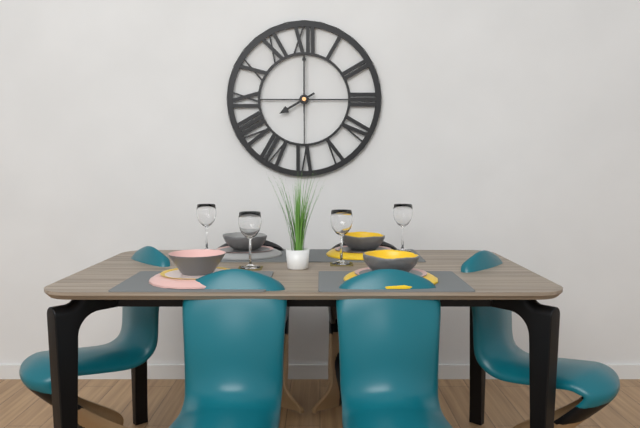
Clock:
8 h 00 min
